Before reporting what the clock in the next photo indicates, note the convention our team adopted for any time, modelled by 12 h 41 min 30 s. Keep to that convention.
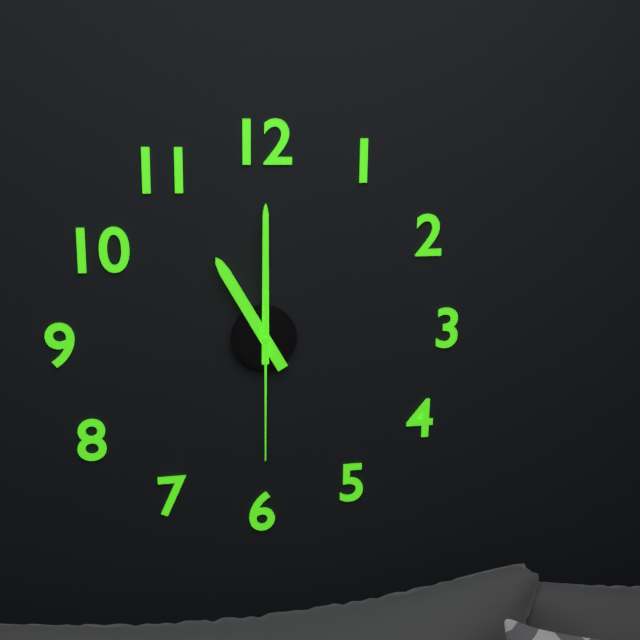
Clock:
11 h 00 min 30 s
